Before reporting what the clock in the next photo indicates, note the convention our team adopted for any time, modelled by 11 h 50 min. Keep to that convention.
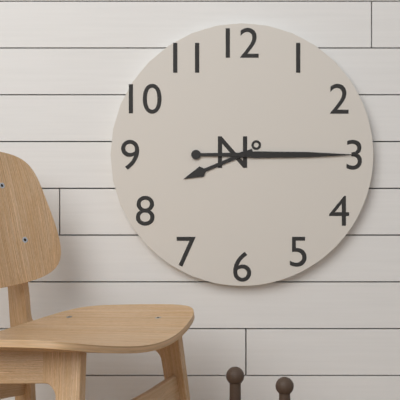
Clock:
8 h 15 min
